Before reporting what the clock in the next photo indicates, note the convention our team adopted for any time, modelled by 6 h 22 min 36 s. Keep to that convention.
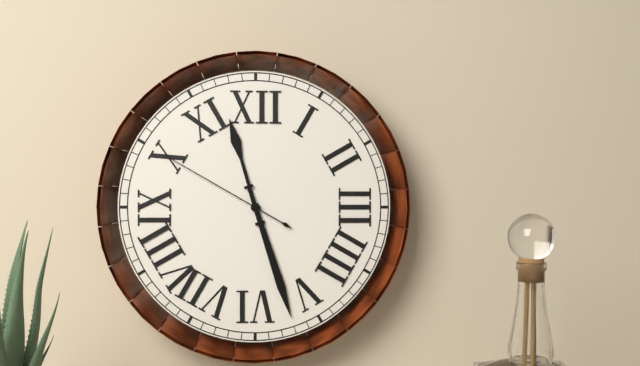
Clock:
11 h 27 min 50 s
